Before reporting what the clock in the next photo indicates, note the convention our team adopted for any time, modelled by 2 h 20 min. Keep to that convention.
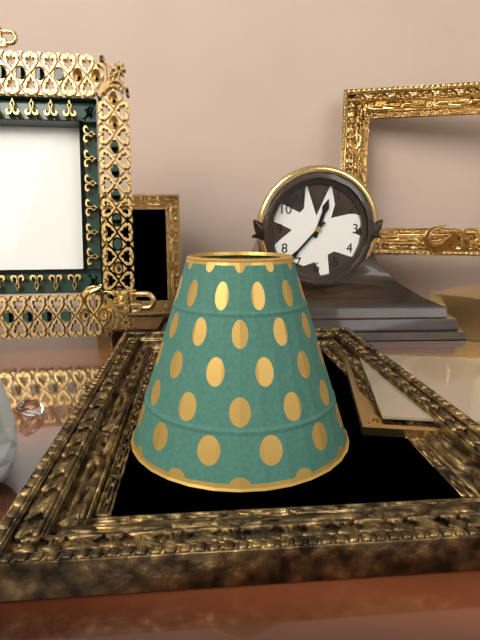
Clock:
12 h 37 min
